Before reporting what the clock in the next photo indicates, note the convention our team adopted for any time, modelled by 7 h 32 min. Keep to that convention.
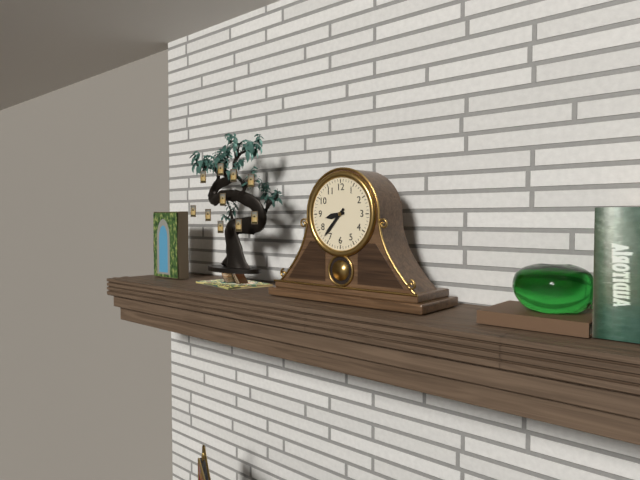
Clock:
8 h 37 min
